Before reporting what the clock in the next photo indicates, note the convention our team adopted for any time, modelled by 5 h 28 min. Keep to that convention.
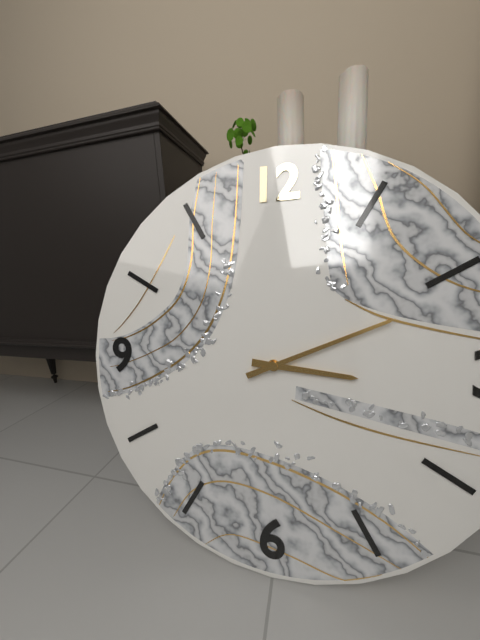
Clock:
3 h 11 min
